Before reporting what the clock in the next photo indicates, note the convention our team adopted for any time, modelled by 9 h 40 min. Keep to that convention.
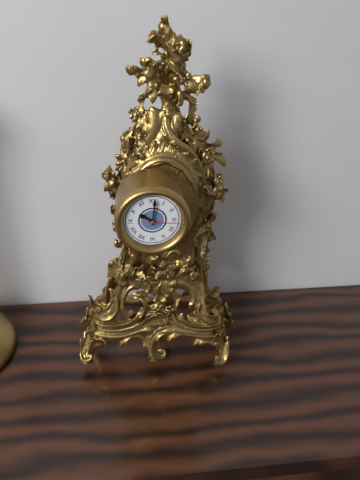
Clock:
10 h 01 min
